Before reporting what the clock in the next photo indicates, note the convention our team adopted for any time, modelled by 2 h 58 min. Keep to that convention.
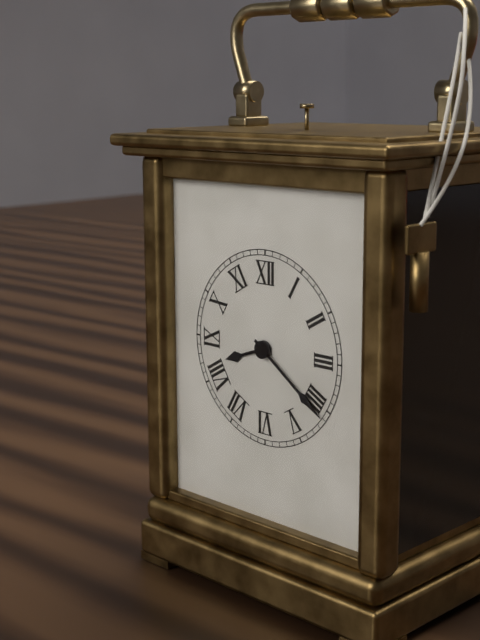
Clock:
8 h 21 min
